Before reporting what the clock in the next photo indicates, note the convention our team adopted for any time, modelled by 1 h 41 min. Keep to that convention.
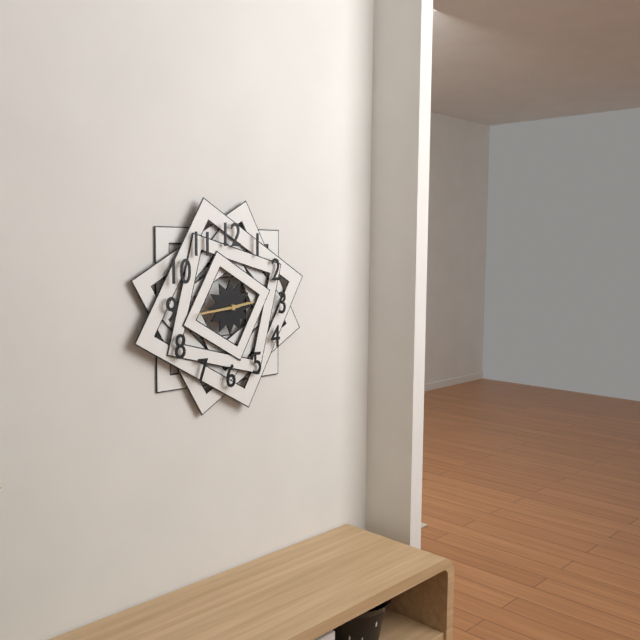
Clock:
2 h 44 min
